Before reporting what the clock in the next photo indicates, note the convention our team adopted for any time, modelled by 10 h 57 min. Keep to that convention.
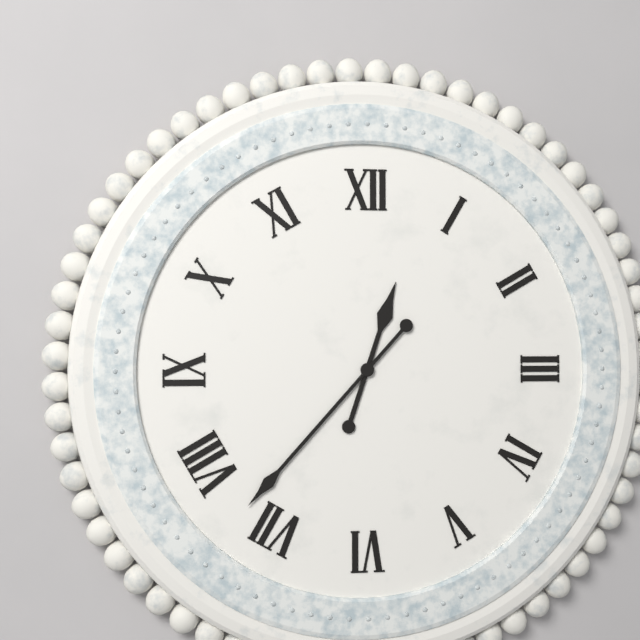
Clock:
12 h 37 min
